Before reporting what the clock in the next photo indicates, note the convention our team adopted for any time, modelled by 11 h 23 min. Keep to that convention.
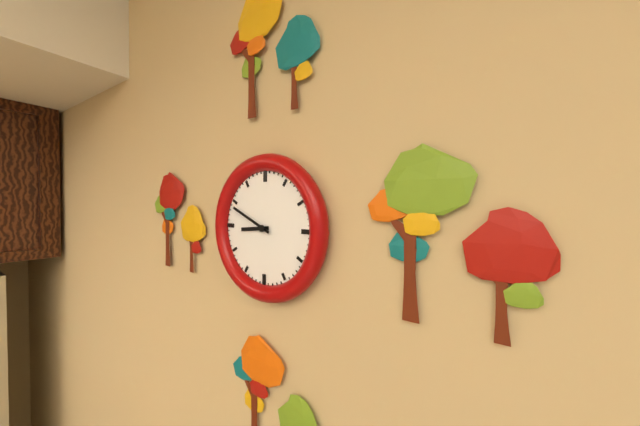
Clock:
8 h 49 min
